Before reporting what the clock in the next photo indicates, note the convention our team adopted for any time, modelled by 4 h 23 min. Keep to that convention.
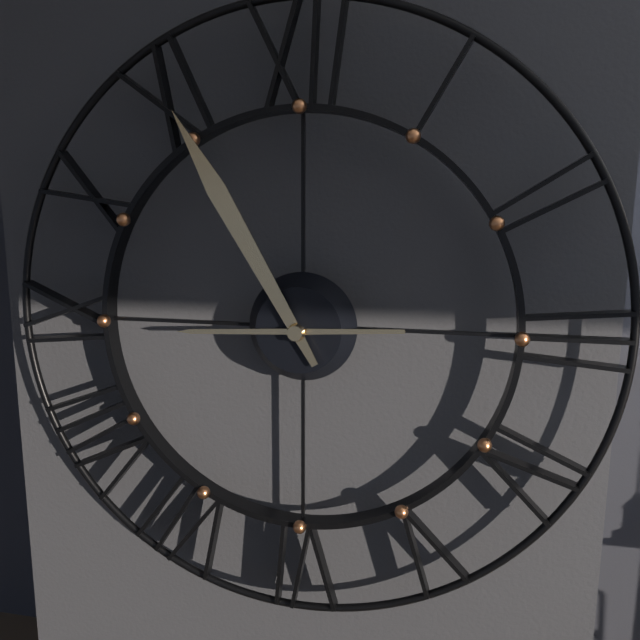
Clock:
8 h 55 min
